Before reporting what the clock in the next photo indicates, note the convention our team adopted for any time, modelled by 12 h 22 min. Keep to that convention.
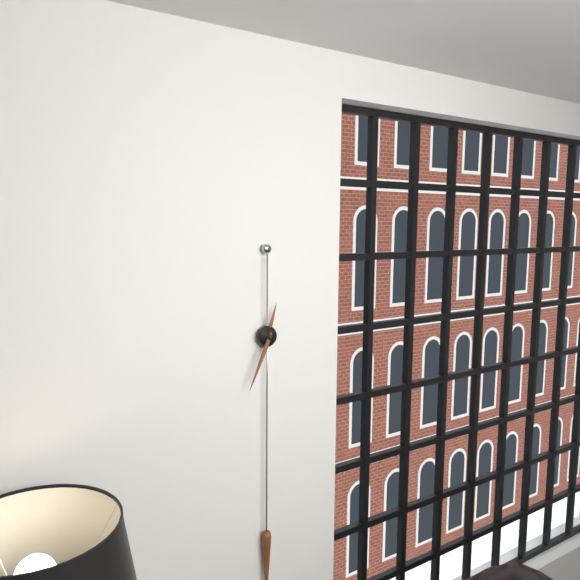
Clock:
12 h 34 min
